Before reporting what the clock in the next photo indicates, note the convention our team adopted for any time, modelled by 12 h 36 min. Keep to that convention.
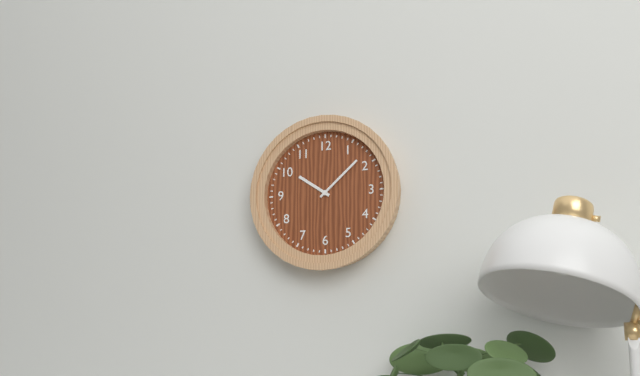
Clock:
10 h 08 min
